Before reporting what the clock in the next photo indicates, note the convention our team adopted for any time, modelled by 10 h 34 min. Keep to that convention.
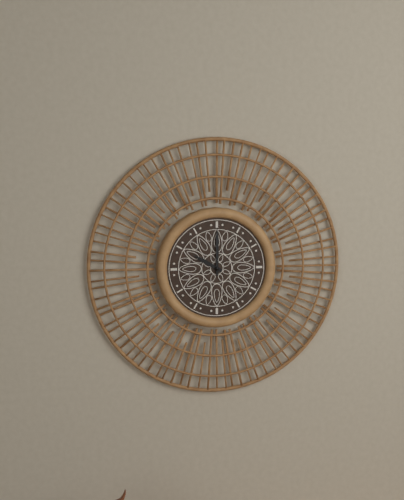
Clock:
10 h 00 min
